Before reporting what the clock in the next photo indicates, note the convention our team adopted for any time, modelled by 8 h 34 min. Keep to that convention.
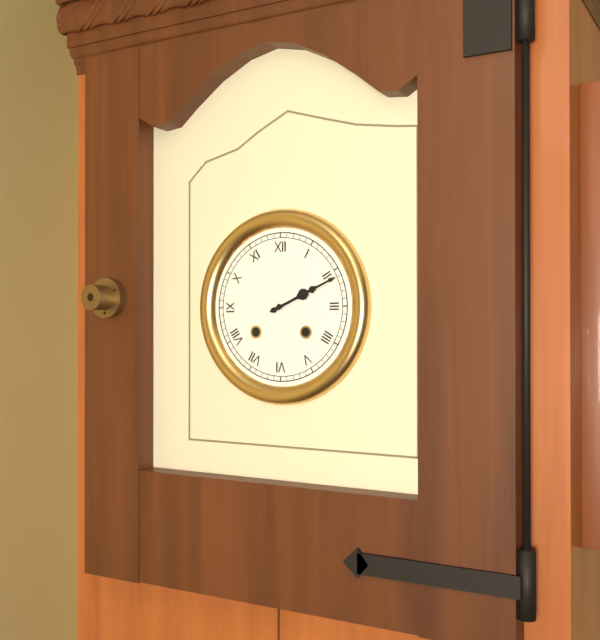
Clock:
2 h 11 min
